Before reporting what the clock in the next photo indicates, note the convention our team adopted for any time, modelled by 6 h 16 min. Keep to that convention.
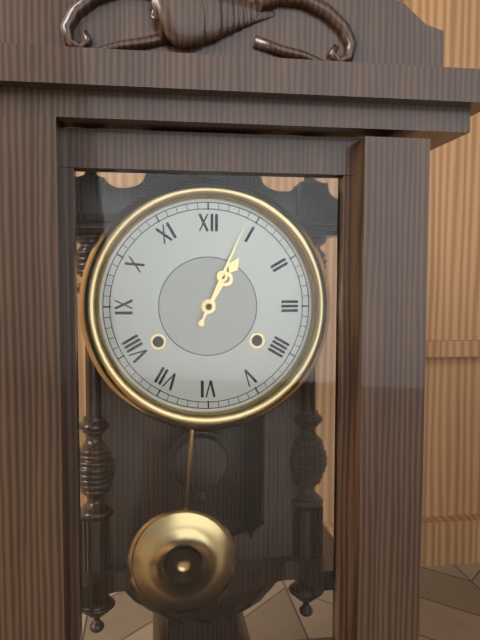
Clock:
1 h 04 min
